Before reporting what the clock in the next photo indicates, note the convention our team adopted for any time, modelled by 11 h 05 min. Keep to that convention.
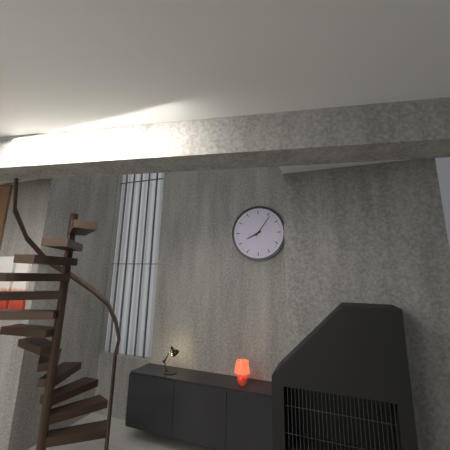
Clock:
8 h 06 min
